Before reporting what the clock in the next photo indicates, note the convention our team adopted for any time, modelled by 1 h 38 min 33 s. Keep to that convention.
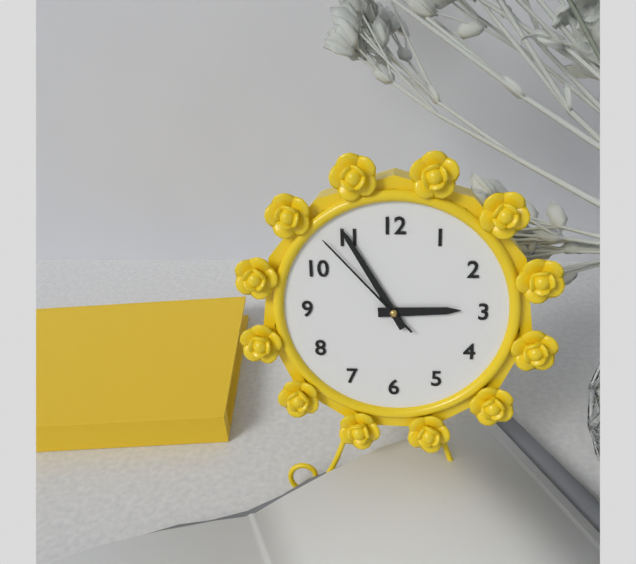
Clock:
2 h 55 min 53 s
